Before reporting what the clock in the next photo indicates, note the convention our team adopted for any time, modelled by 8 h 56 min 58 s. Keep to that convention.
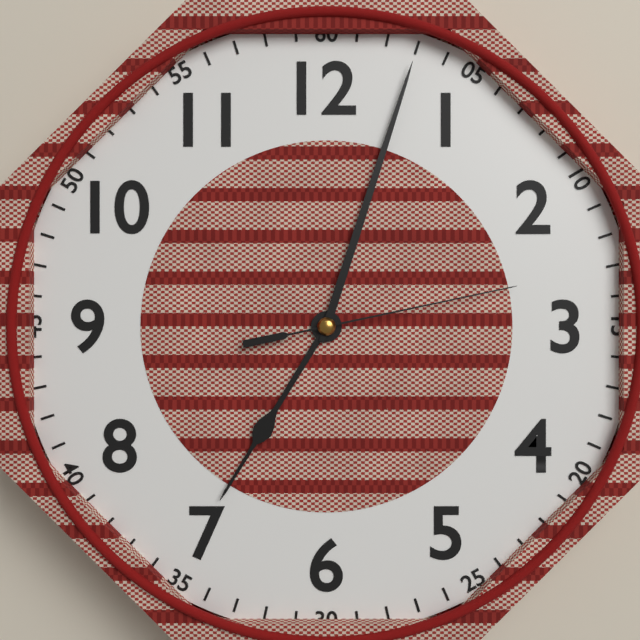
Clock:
7 h 03 min 13 s
